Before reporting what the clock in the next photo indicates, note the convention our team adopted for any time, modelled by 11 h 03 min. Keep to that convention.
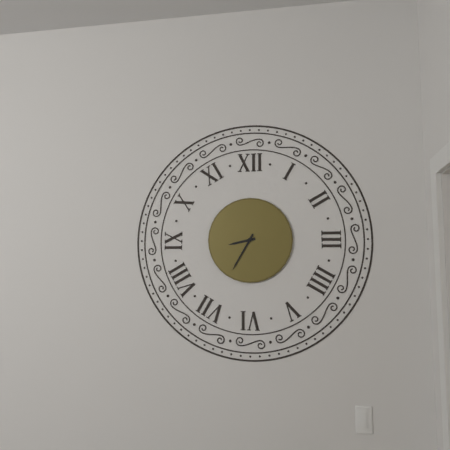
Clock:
8 h 35 min
